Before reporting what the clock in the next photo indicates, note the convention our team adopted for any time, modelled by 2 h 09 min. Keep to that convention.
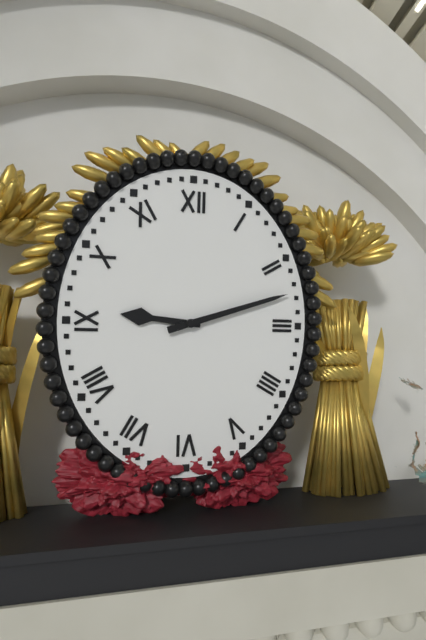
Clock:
9 h 12 min
